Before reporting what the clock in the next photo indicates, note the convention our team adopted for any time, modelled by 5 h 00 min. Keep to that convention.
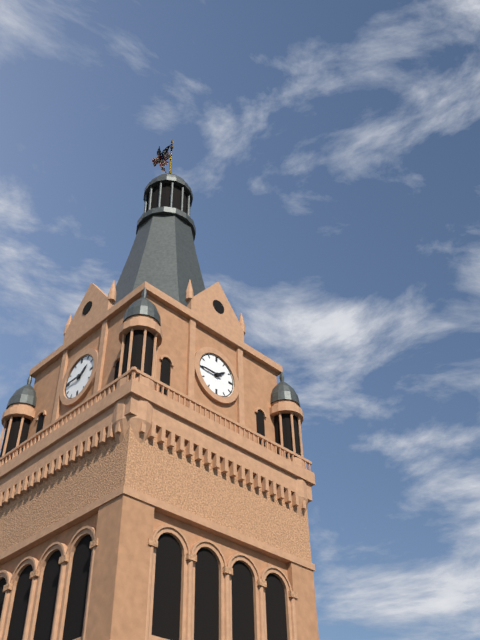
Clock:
1 h 45 min
